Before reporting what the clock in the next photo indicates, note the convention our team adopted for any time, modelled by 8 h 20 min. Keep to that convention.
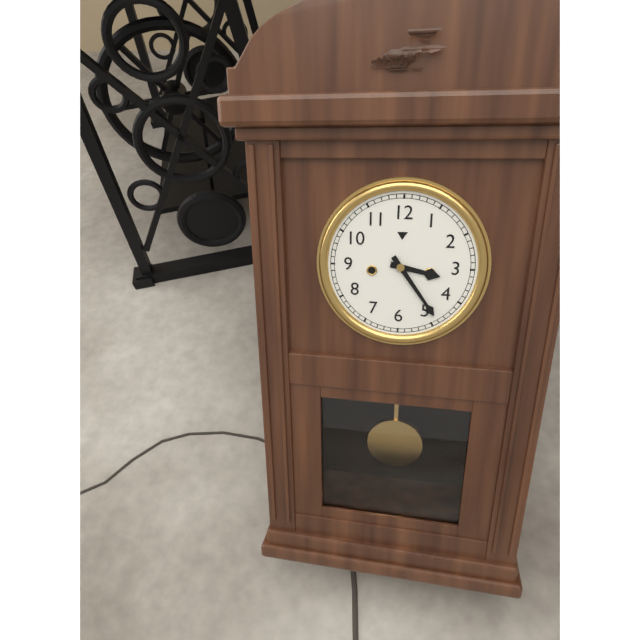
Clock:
3 h 24 min
